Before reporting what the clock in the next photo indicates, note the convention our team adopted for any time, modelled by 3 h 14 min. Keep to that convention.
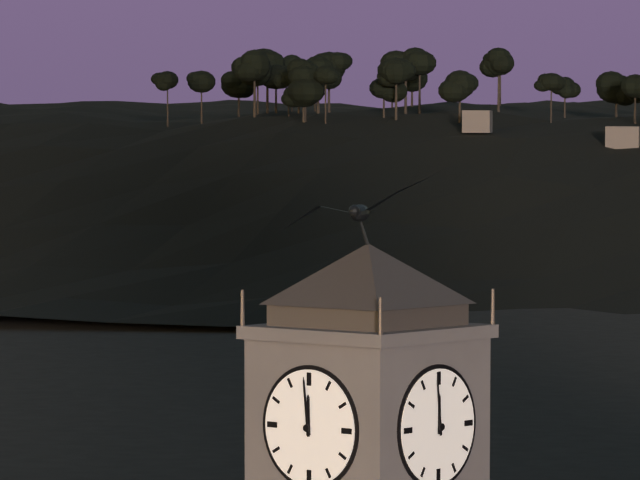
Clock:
11 h 59 min
